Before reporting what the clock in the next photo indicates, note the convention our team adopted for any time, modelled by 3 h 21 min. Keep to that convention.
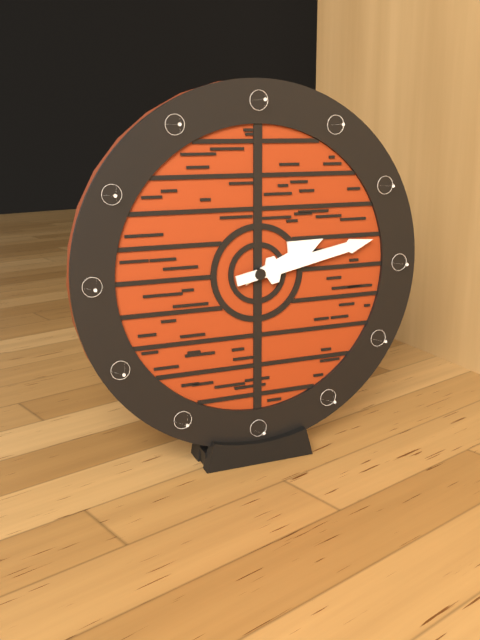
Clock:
2 h 13 min
